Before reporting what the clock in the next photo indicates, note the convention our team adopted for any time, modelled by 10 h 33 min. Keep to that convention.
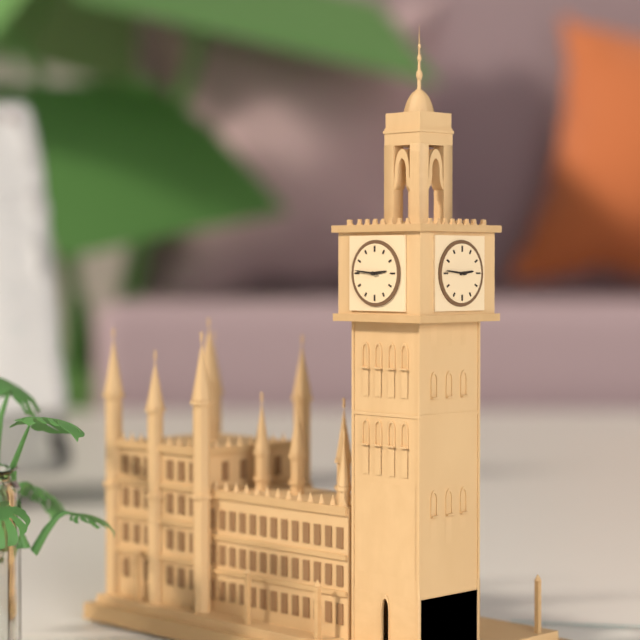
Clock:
2 h 46 min
